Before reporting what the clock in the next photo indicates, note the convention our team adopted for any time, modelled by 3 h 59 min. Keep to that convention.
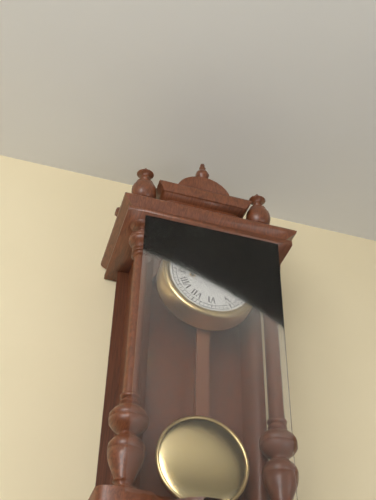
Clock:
3 h 09 min
